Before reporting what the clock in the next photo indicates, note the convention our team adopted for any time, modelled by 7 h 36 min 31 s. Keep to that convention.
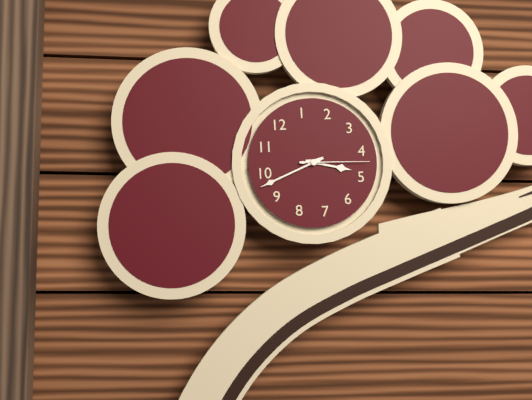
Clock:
4 h 48 min 22 s
